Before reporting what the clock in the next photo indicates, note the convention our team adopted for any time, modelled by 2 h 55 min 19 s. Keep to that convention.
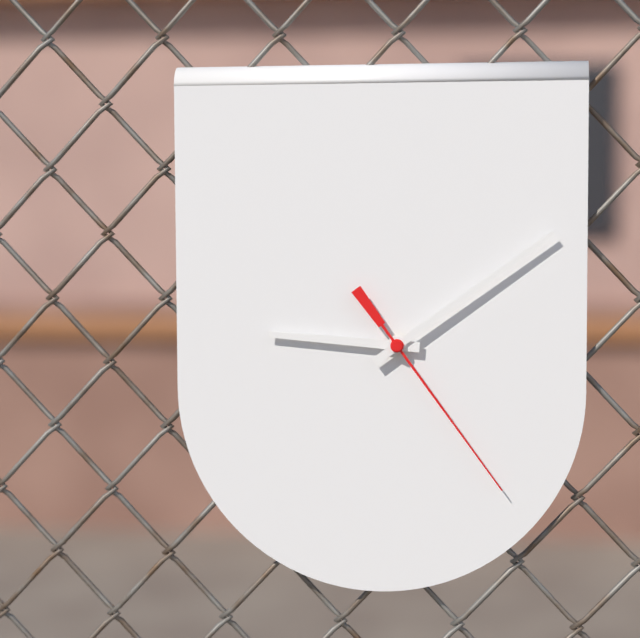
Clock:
9 h 09 min 24 s
